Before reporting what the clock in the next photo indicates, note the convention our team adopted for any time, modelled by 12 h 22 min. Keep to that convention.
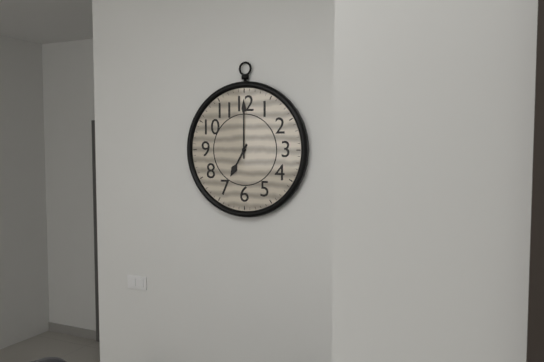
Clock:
7 h 00 min
